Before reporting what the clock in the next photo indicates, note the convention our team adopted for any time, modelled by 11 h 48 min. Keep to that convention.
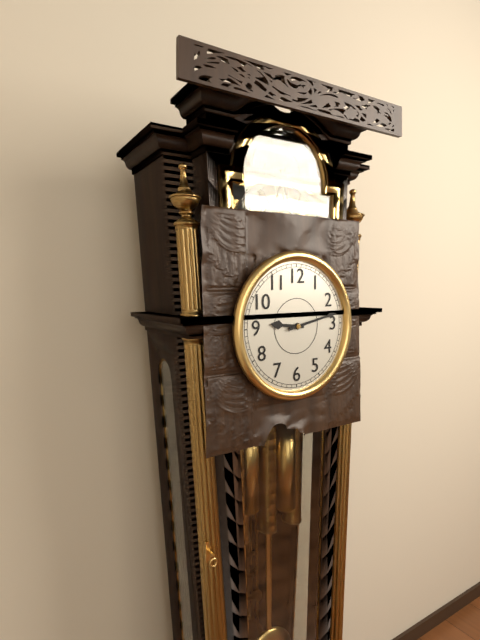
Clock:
9 h 13 min
